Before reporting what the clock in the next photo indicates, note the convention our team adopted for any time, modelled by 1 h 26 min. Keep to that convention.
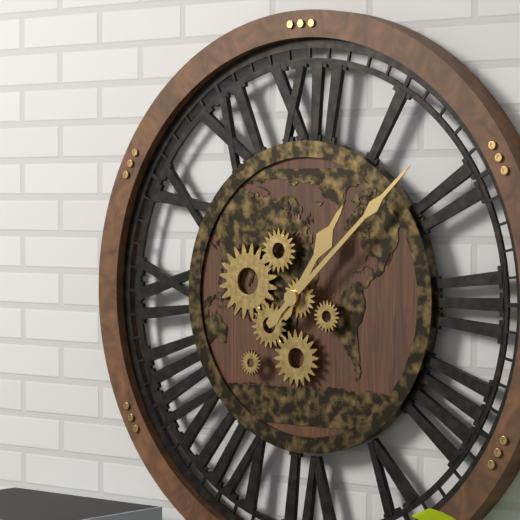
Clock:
1 h 08 min
